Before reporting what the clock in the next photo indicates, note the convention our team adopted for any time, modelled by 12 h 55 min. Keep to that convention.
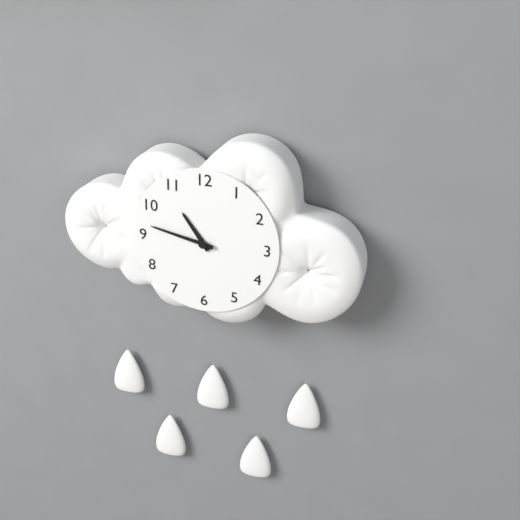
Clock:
10 h 47 min
